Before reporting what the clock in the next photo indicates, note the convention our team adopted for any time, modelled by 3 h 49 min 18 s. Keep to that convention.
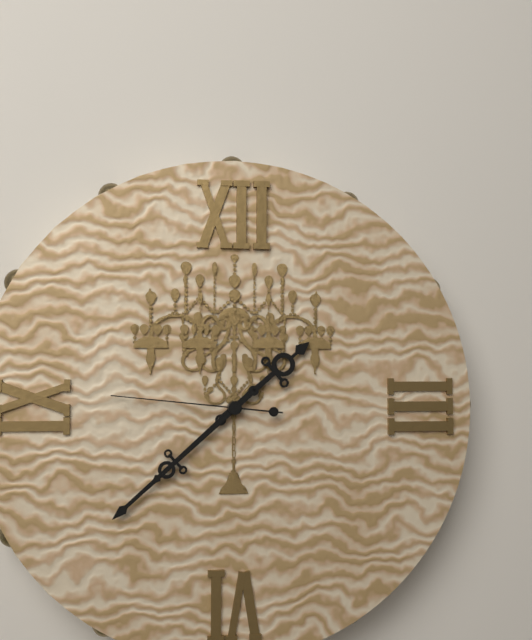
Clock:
1 h 38 min 46 s
